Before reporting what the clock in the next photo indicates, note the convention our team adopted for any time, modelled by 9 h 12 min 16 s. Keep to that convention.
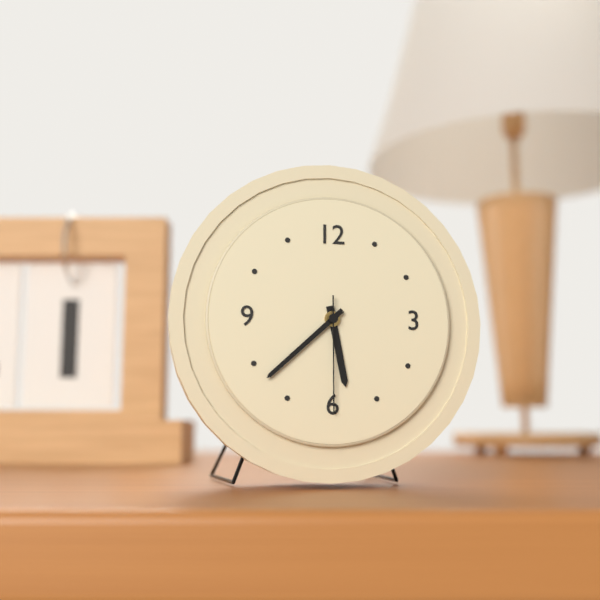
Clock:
5 h 38 min 30 s
